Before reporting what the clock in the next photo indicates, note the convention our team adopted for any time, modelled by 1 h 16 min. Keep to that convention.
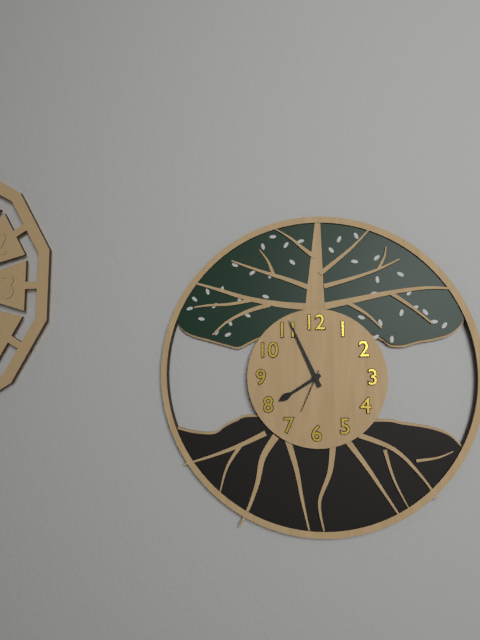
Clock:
7 h 56 min
